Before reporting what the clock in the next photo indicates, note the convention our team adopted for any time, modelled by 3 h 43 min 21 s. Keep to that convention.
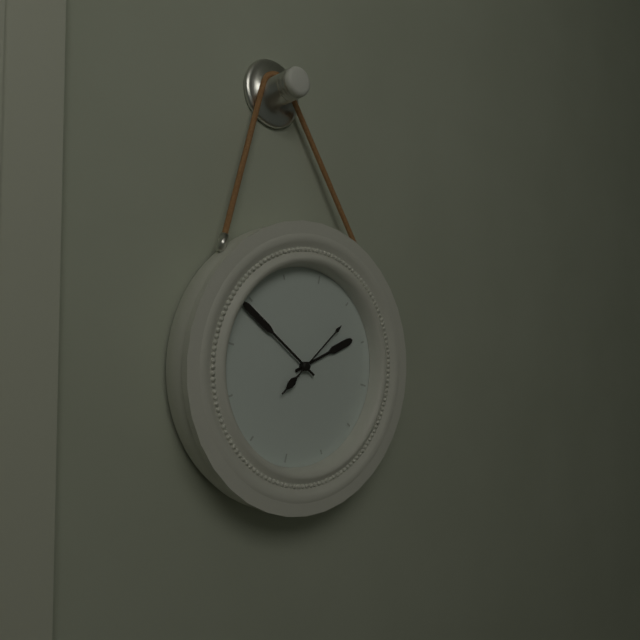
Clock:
1 h 49 min 06 s
